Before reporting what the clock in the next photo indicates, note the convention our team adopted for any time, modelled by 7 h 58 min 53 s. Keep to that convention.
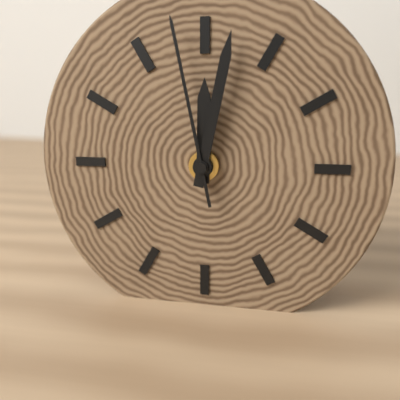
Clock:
12 h 02 min 58 s
